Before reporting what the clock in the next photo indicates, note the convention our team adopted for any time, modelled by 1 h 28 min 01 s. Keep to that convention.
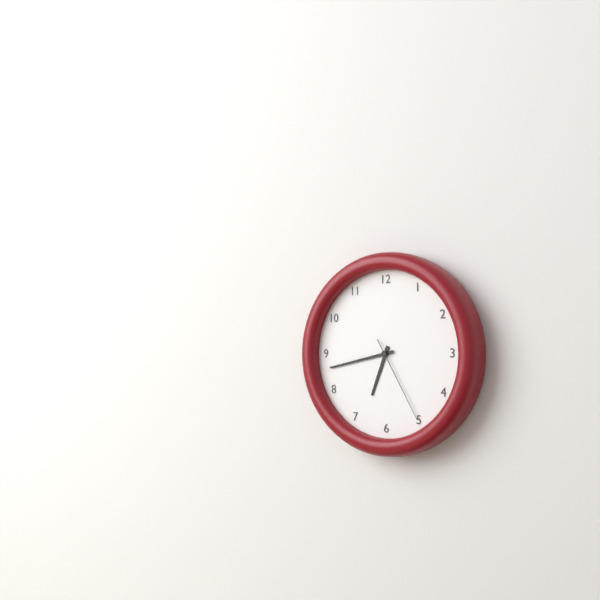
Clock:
6 h 43 min 25 s
